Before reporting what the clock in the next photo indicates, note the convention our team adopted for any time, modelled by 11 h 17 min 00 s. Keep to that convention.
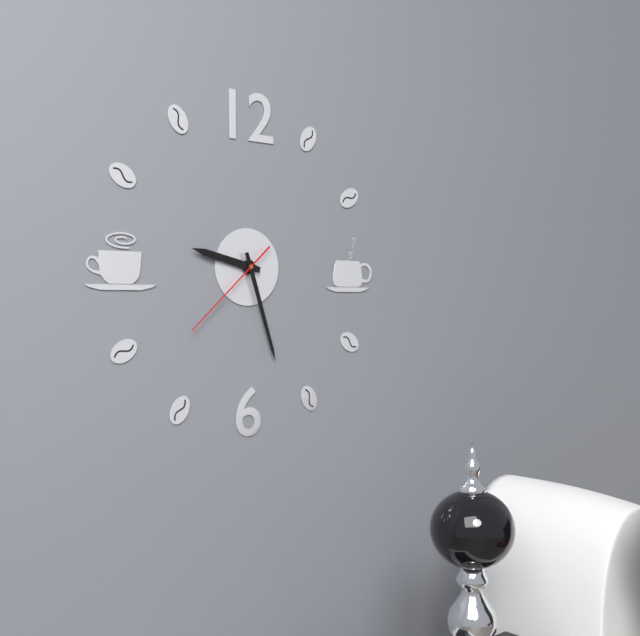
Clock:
9 h 27 min 38 s
